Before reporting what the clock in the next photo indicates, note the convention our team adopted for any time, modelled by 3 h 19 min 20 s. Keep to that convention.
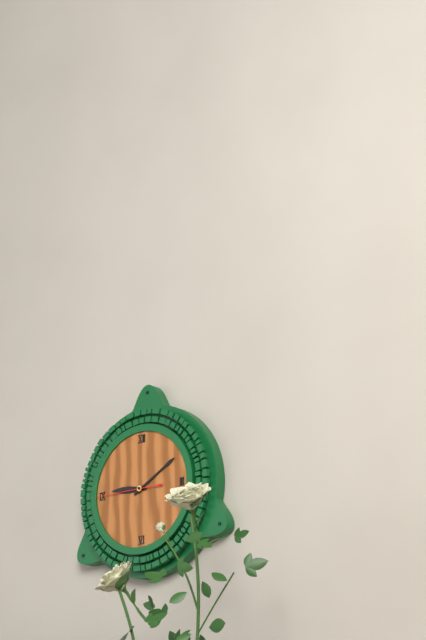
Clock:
9 h 10 min 45 s
